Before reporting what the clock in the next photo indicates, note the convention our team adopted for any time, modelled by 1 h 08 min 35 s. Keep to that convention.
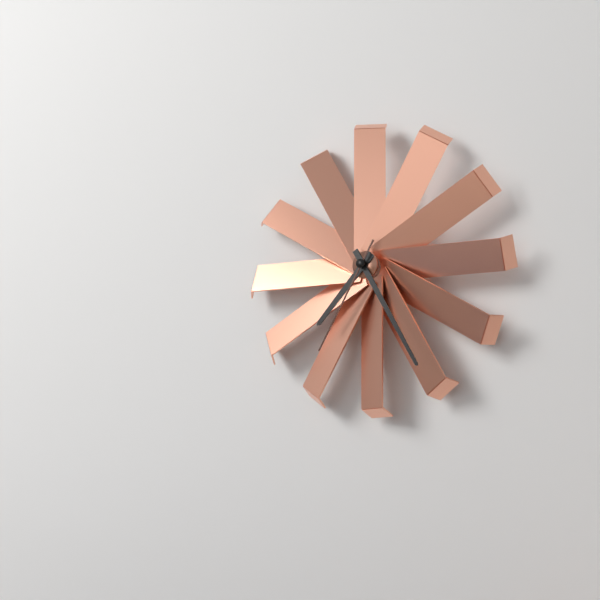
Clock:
7 h 25 min 35 s
